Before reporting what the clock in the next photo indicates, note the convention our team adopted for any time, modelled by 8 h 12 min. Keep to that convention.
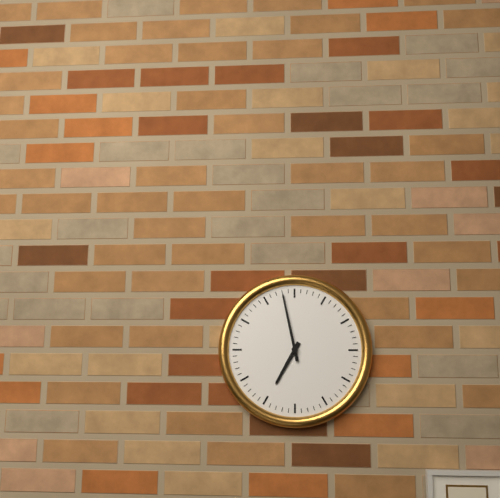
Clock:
6 h 58 min
